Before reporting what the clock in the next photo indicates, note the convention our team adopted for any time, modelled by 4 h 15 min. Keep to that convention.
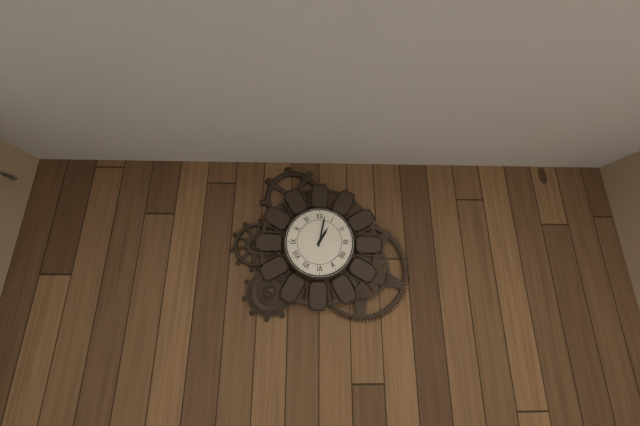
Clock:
1 h 02 min
